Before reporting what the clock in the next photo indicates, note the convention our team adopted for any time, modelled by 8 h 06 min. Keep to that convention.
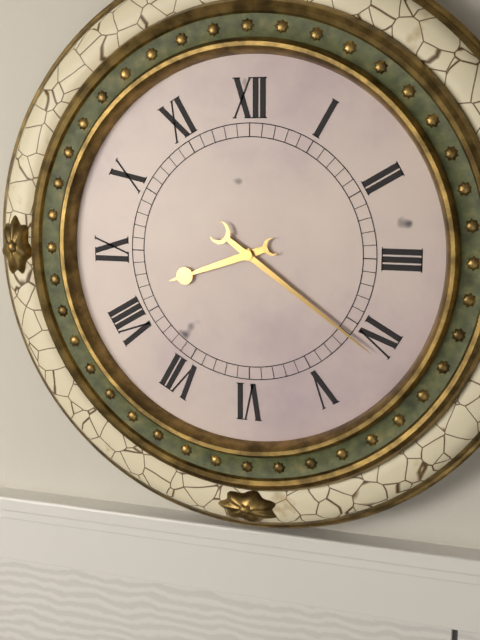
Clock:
8 h 21 min
